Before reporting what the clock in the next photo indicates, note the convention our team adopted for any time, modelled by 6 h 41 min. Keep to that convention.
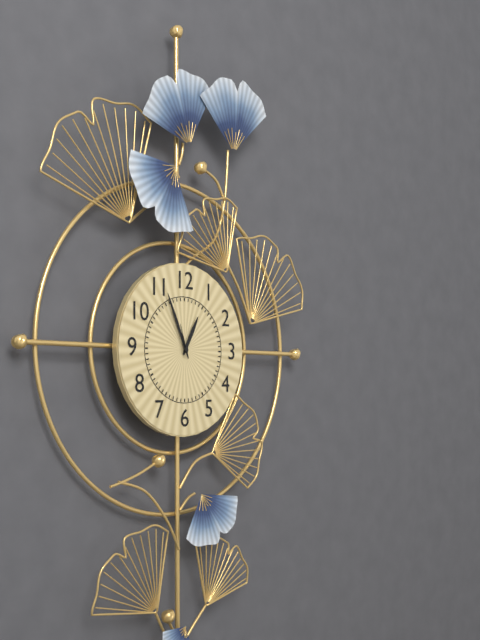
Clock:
12 h 56 min
